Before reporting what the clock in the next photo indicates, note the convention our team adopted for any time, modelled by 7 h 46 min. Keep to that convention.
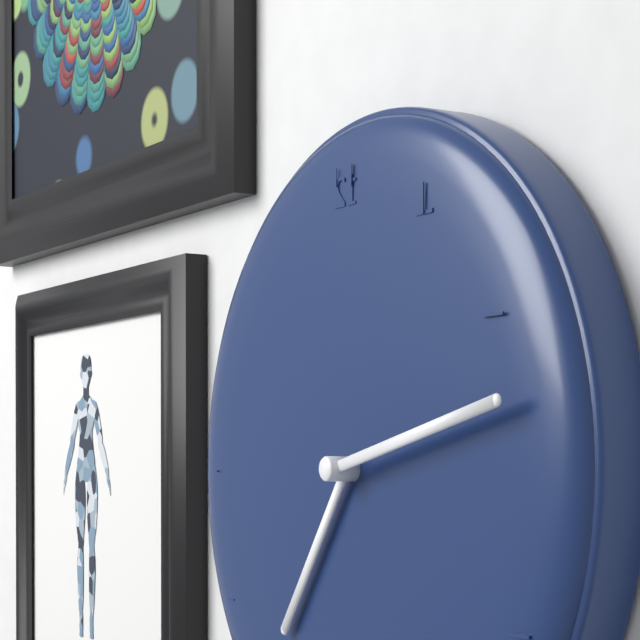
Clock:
7 h 13 min
